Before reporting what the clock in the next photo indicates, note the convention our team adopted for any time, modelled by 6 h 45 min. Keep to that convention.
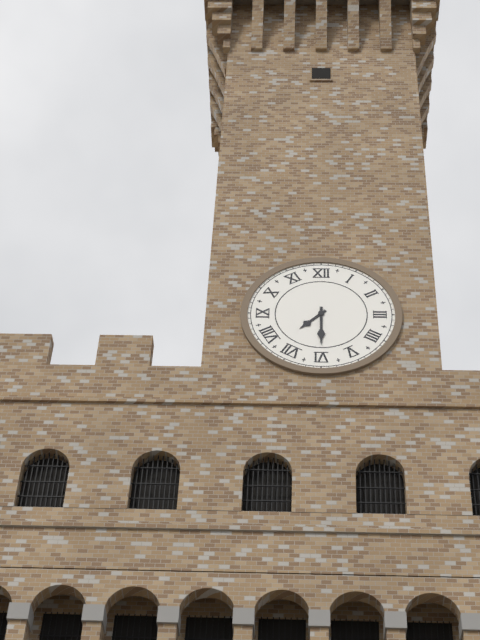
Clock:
7 h 30 min
